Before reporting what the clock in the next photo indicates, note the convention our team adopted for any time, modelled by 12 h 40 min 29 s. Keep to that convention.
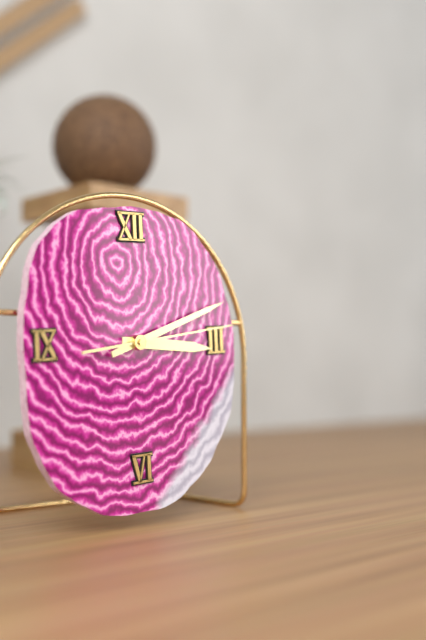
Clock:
3 h 12 min 14 s
